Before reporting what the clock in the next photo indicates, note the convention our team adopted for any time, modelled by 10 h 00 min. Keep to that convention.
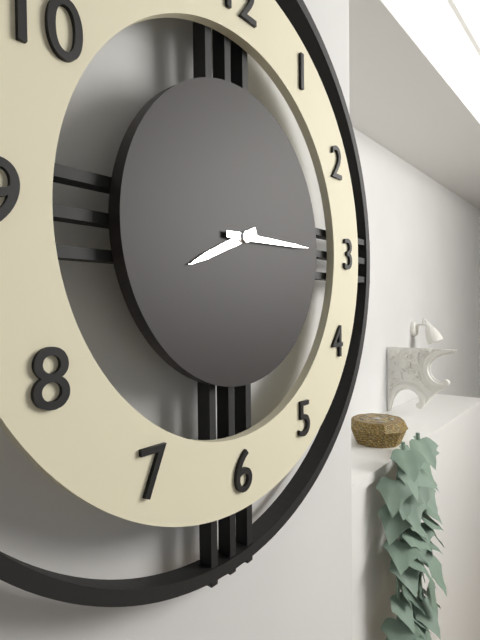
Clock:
8 h 15 min
